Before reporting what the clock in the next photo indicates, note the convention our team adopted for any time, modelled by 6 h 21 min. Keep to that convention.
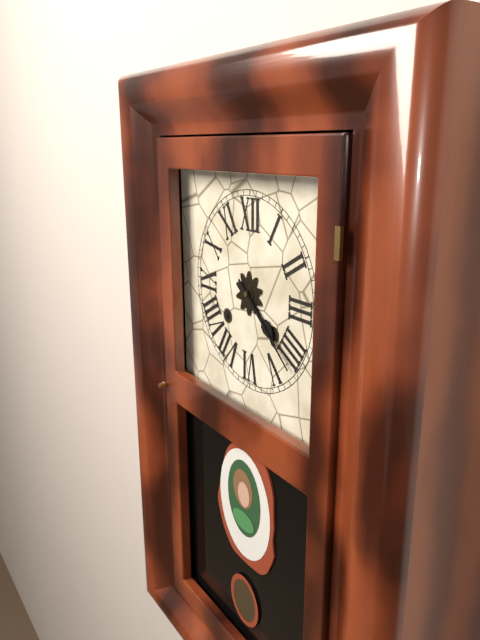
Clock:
4 h 22 min
